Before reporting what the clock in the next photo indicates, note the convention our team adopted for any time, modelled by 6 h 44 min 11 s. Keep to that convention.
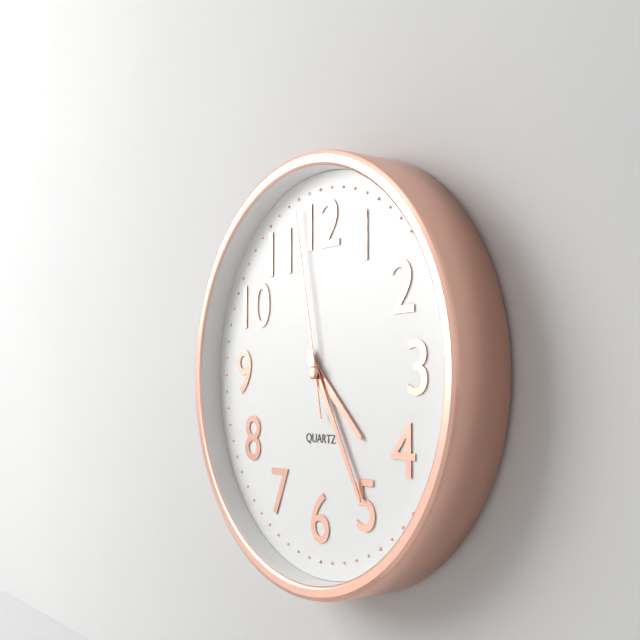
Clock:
4 h 25 min 58 s
